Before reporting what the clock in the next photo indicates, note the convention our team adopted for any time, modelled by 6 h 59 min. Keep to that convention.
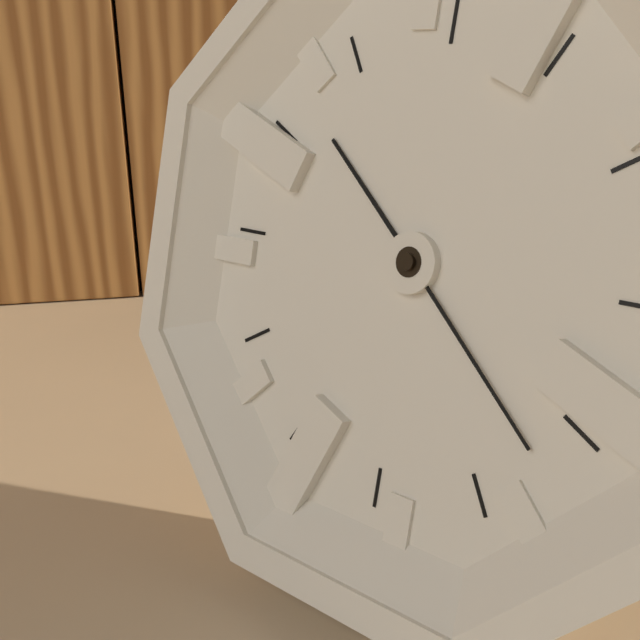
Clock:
10 h 22 min
